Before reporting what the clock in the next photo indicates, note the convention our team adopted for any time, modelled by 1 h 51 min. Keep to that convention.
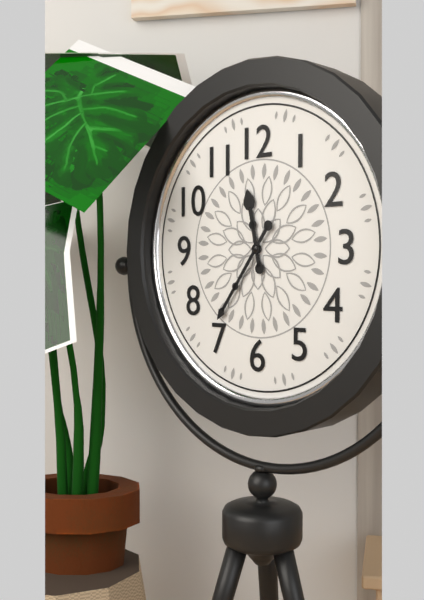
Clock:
11 h 36 min
